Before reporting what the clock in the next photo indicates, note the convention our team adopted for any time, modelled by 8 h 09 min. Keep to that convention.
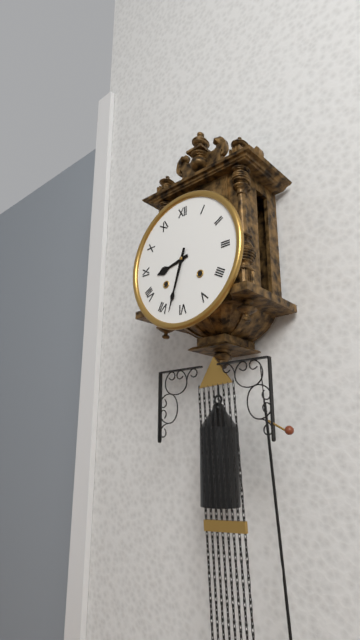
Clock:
8 h 33 min
